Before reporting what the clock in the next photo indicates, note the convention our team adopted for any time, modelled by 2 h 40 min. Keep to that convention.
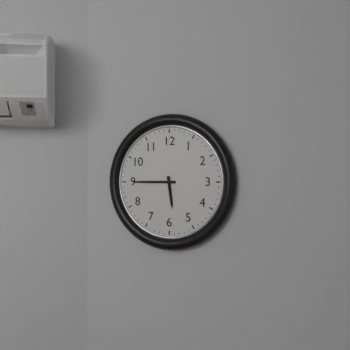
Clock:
5 h 45 min
